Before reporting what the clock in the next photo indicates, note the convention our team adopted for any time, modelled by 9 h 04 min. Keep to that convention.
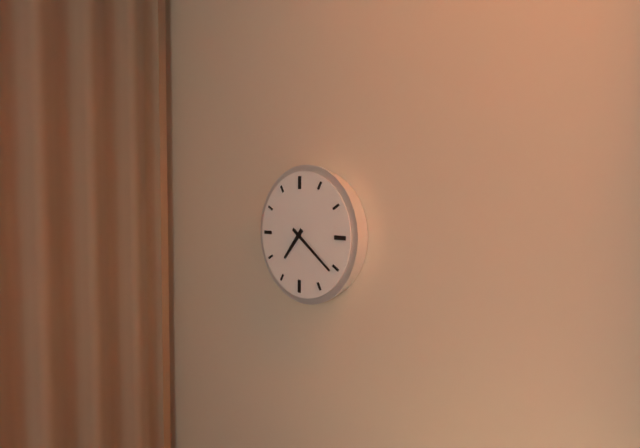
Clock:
7 h 21 min
